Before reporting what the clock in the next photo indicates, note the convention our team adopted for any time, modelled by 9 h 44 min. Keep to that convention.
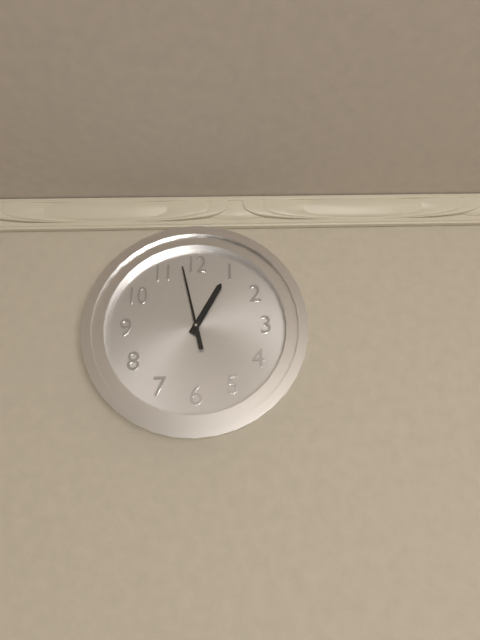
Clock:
12 h 58 min
